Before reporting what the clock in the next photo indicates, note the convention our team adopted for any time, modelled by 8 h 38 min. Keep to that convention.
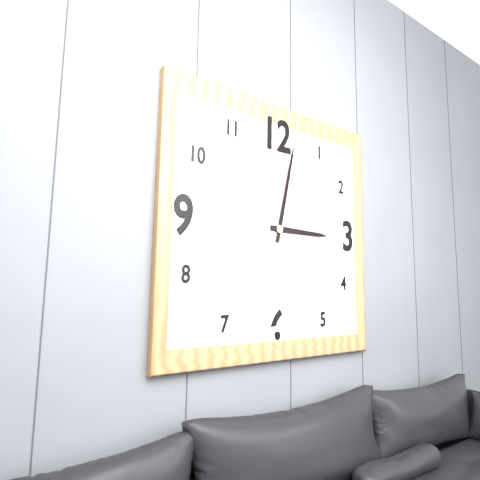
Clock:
3 h 02 min
